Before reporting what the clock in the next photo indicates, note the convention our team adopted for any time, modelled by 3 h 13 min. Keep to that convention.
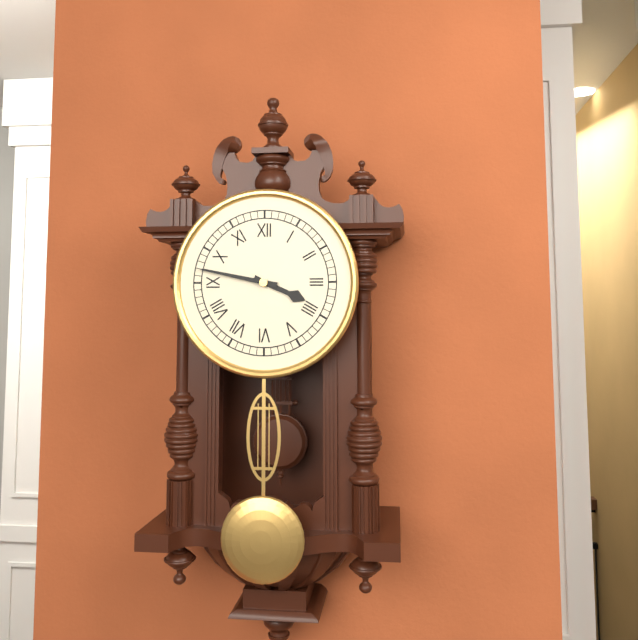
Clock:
3 h 47 min
